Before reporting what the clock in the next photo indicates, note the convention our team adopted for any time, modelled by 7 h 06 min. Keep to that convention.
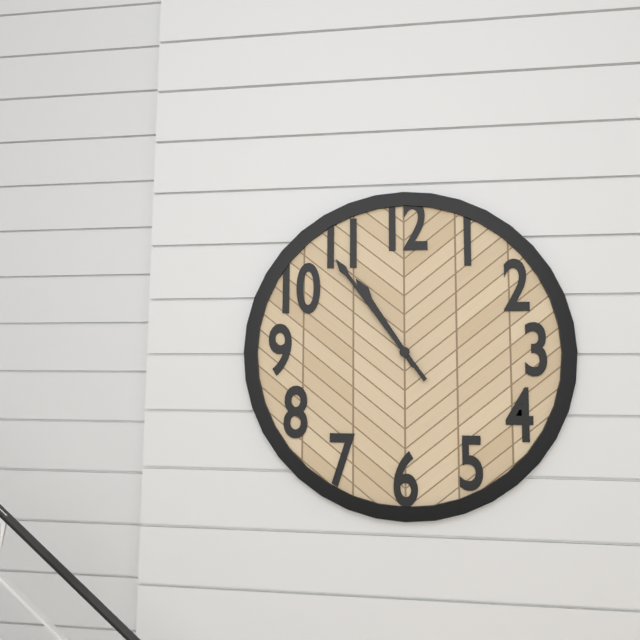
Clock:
10 h 54 min
